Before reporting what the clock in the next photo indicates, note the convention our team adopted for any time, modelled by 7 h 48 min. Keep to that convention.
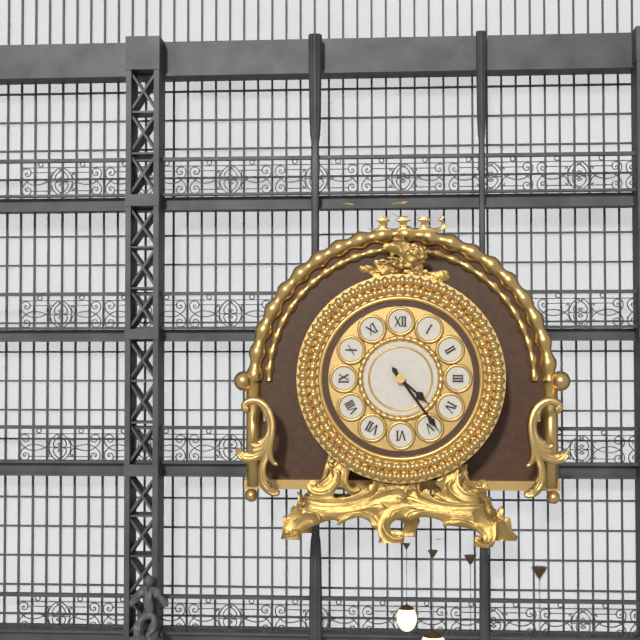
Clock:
4 h 24 min
